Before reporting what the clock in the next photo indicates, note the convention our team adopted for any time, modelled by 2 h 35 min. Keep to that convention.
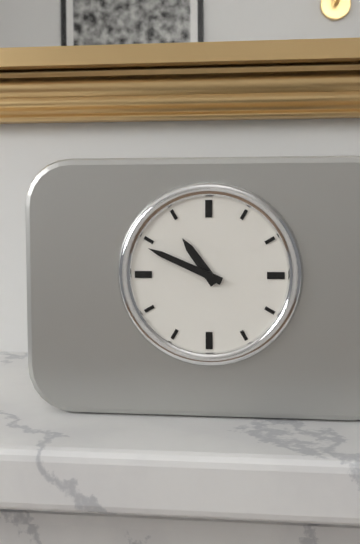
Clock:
10 h 49 min
